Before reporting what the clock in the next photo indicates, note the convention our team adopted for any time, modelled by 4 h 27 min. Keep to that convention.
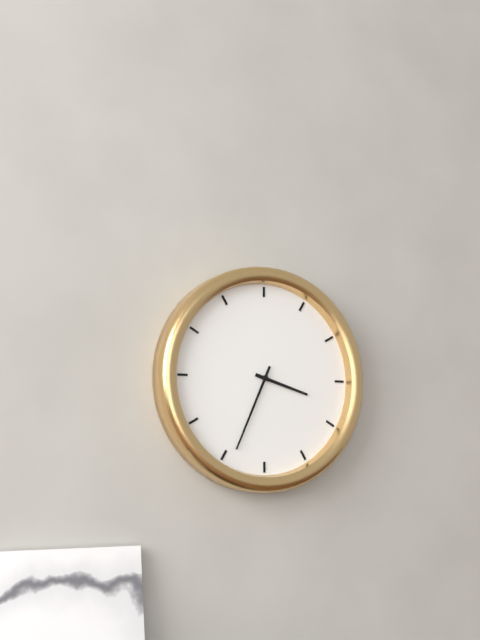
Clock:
3 h 34 min
